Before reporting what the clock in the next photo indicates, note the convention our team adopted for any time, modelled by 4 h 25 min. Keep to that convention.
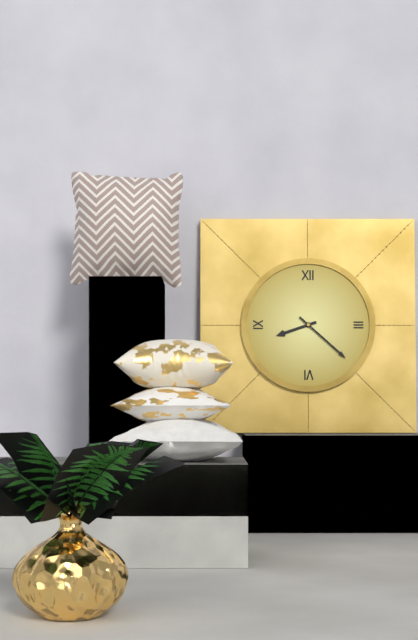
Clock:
8 h 22 min
